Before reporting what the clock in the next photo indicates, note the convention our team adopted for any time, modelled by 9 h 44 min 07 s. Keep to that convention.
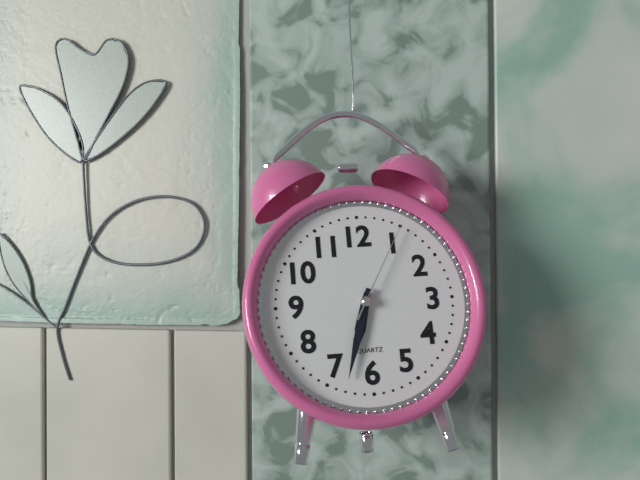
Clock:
6 h 33 min 05 s
